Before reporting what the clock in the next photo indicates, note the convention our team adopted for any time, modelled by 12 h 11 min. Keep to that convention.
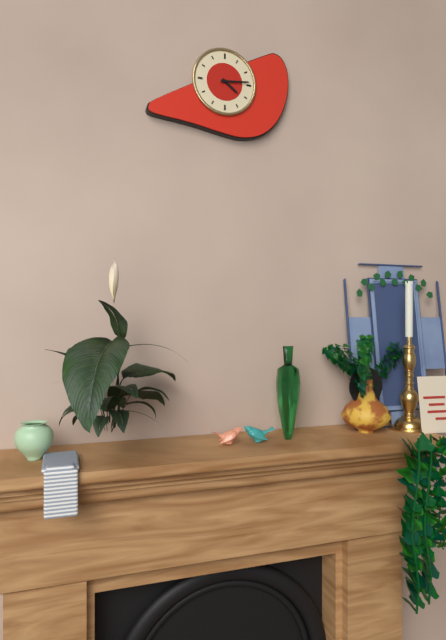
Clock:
4 h 14 min
